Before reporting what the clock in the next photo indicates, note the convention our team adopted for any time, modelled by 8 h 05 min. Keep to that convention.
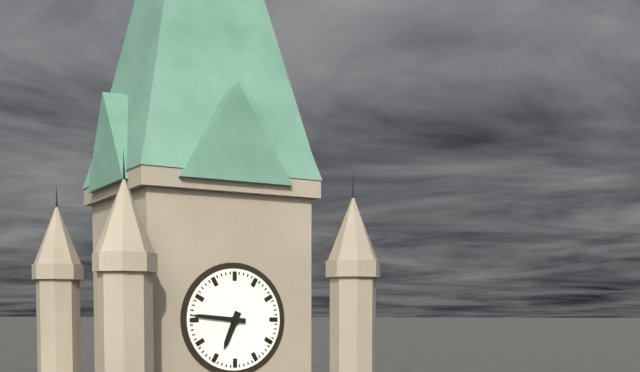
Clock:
6 h 46 min
